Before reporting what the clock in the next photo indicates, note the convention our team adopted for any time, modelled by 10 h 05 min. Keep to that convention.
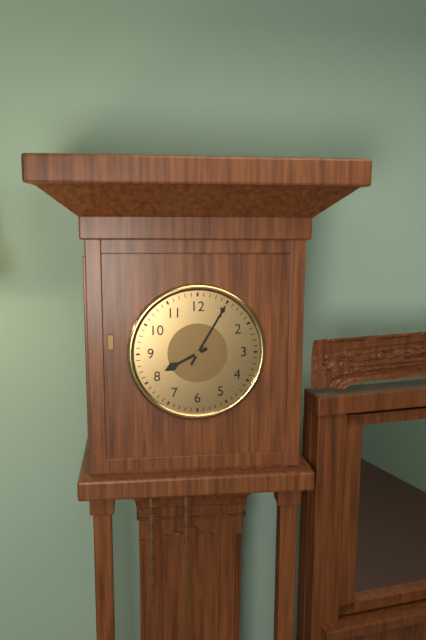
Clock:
8 h 05 min
